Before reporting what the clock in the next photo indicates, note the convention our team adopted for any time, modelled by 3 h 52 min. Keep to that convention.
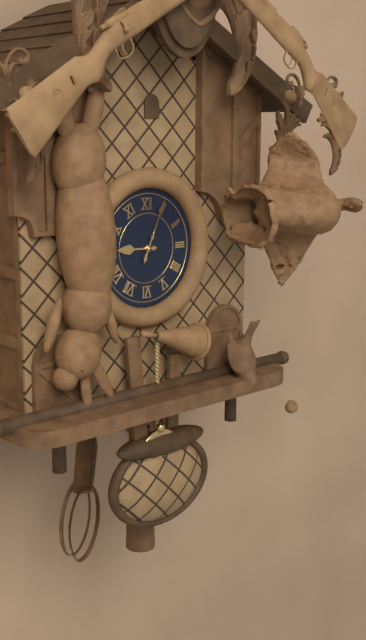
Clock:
9 h 04 min
